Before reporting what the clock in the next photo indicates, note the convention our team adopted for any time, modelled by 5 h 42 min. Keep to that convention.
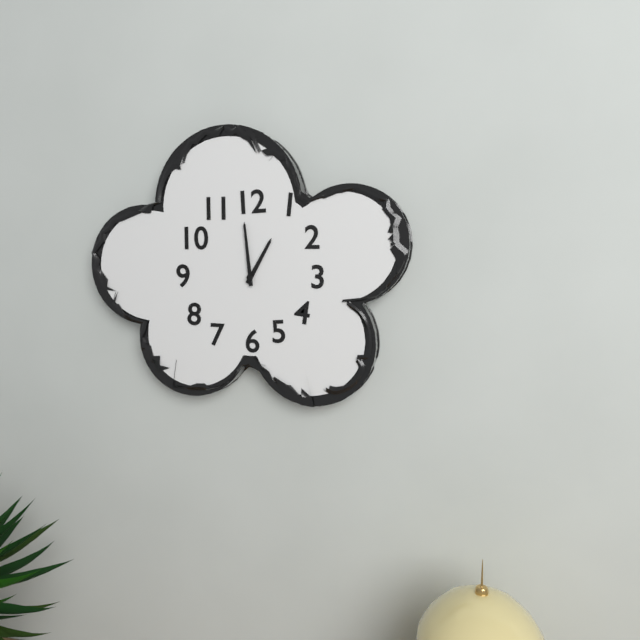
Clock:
12 h 59 min
